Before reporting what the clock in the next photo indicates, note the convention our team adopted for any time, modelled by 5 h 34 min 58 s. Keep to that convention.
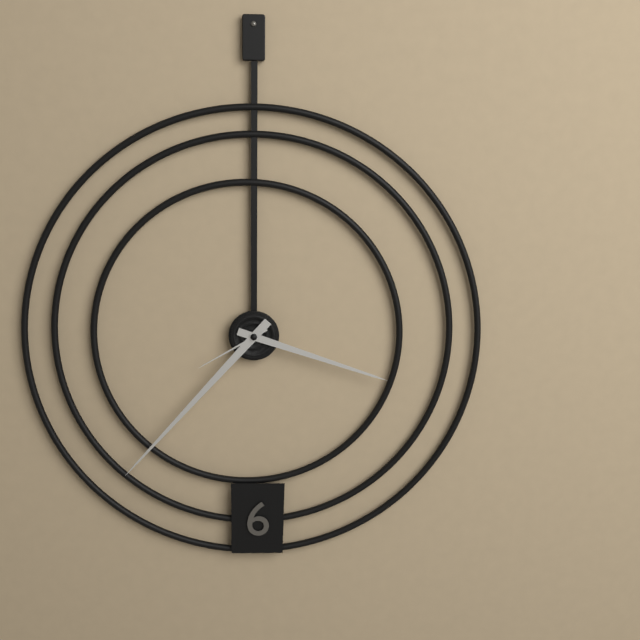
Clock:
3 h 37 min 40 s
